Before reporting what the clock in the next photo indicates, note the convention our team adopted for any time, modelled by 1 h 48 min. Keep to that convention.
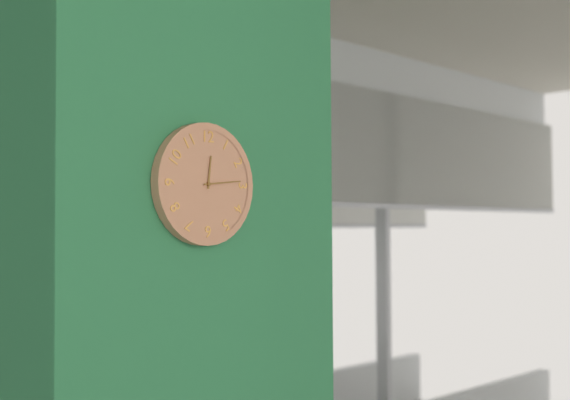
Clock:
12 h 14 min
